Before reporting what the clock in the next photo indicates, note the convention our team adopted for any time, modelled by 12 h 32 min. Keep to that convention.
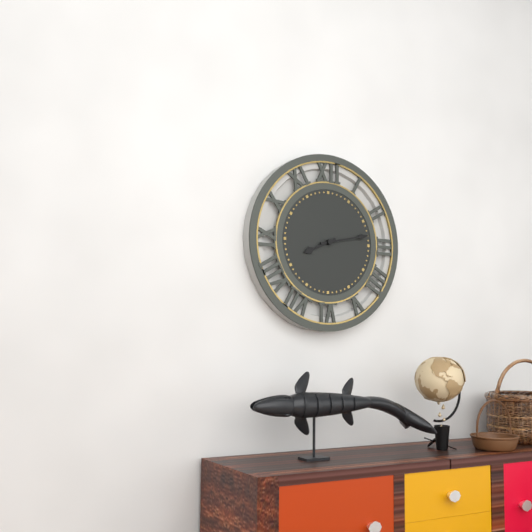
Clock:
8 h 13 min
